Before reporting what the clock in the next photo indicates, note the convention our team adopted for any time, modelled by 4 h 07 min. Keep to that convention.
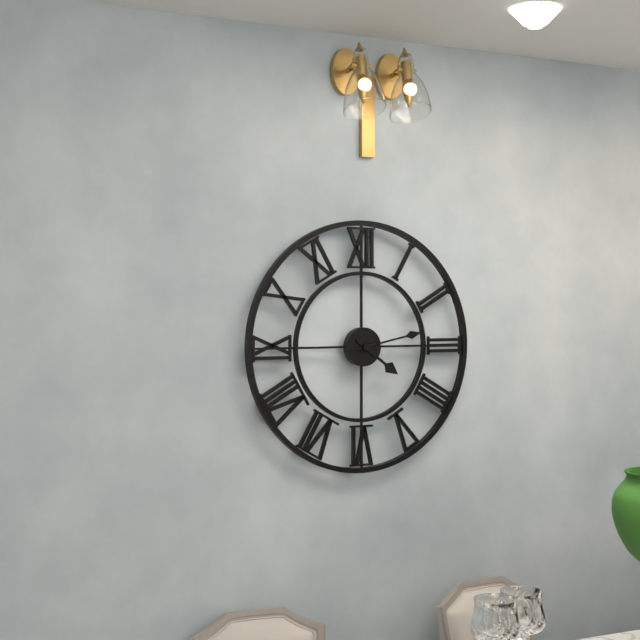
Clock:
4 h 13 min
